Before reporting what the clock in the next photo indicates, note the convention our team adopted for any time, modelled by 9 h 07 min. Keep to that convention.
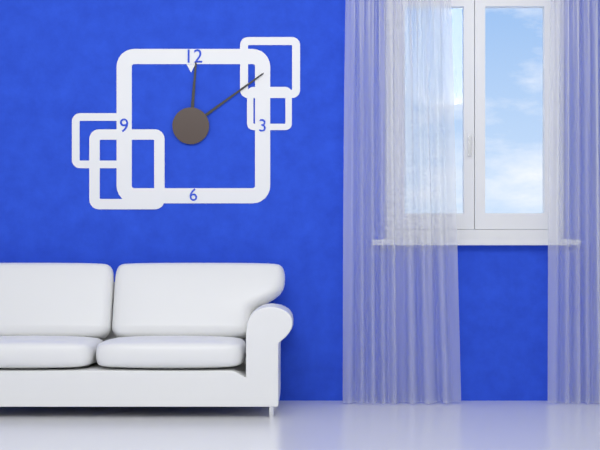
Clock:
12 h 09 min
